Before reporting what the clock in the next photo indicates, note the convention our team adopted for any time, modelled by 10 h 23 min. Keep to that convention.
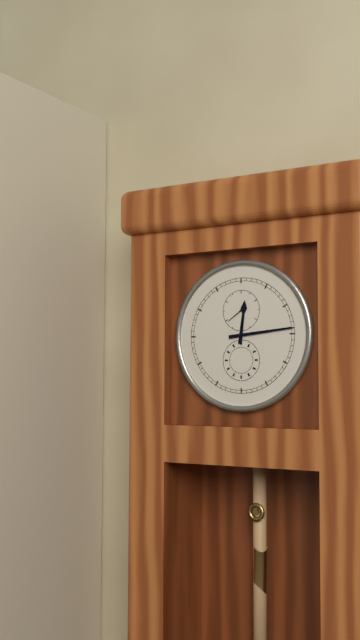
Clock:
12 h 14 min
